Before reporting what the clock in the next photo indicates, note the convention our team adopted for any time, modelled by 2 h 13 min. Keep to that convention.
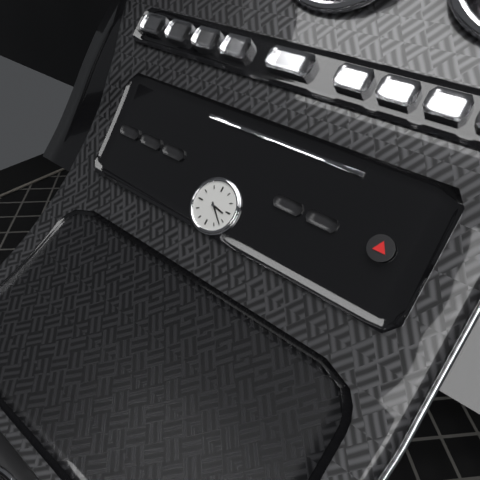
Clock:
3 h 22 min
